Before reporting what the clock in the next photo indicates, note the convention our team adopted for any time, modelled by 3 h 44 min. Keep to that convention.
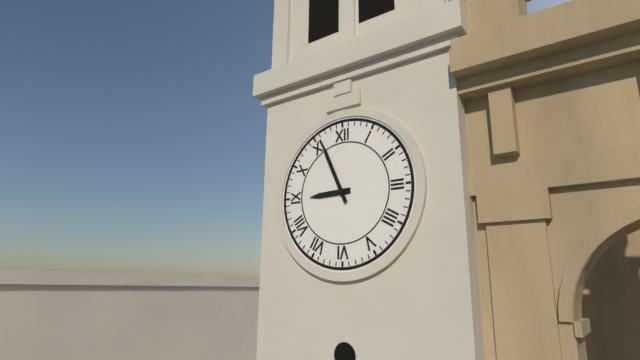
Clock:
8 h 56 min
